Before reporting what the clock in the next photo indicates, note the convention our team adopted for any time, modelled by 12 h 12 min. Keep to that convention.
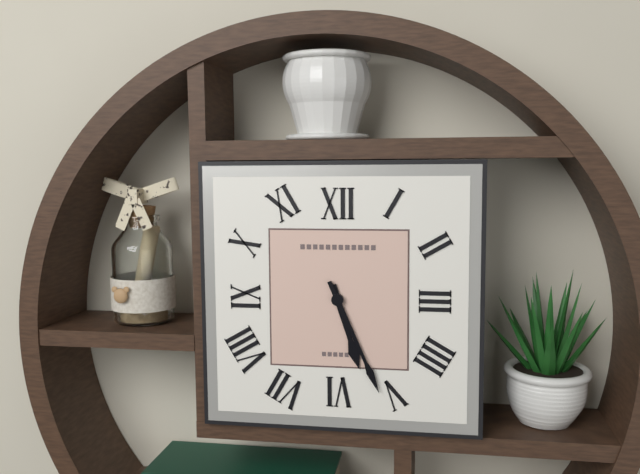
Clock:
5 h 26 min
